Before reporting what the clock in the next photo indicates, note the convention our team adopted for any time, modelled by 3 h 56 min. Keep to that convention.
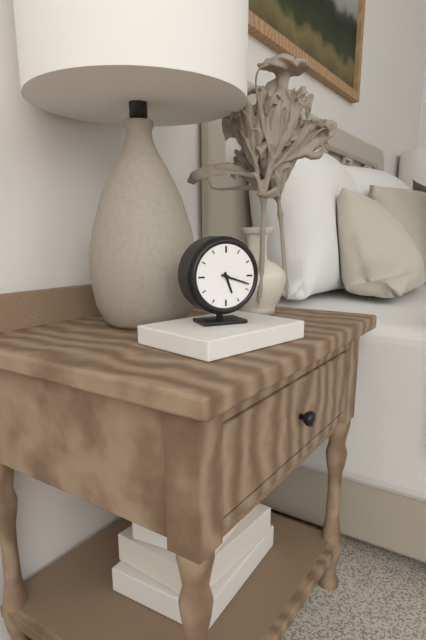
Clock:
5 h 18 min
